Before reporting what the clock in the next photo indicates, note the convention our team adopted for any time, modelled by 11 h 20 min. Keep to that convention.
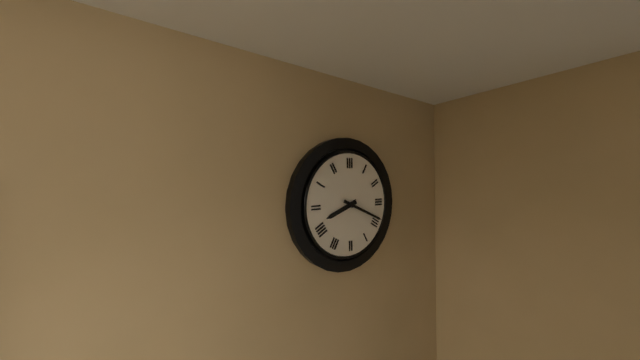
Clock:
8 h 19 min
